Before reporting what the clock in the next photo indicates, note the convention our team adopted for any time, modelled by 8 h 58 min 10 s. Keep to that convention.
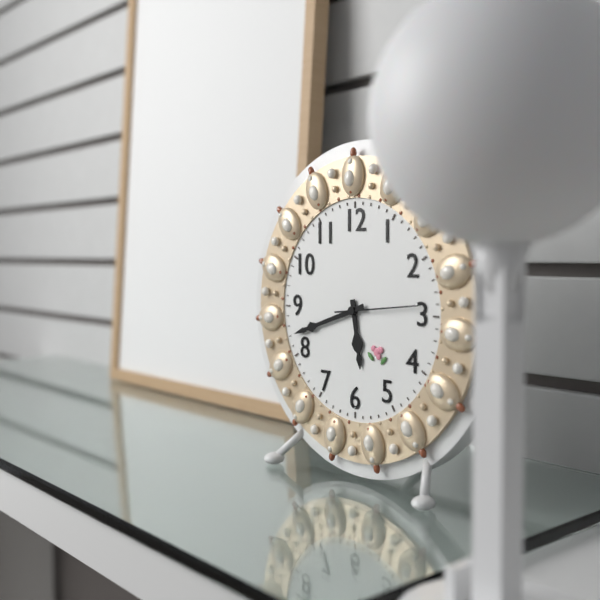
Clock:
5 h 42 min 14 s
